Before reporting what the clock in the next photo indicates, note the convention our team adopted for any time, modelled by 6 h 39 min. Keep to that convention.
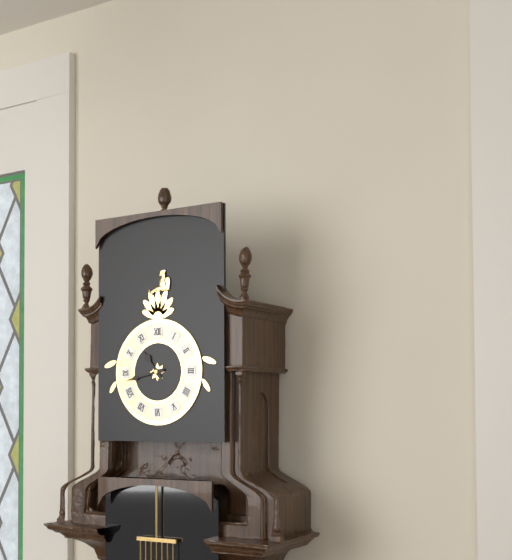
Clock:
10 h 43 min
